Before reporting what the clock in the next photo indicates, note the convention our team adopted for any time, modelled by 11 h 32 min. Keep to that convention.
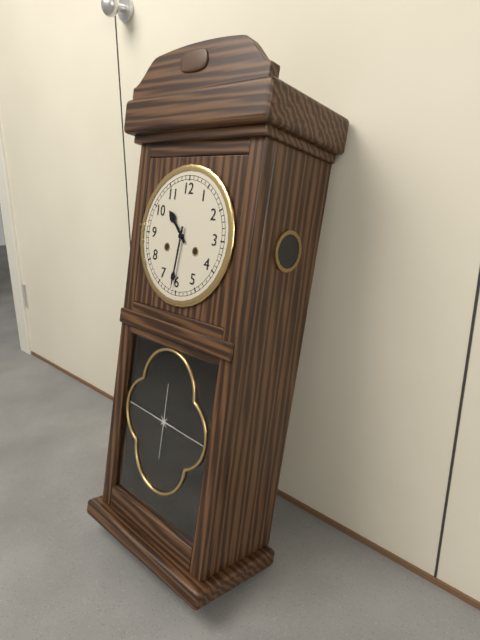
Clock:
10 h 31 min
